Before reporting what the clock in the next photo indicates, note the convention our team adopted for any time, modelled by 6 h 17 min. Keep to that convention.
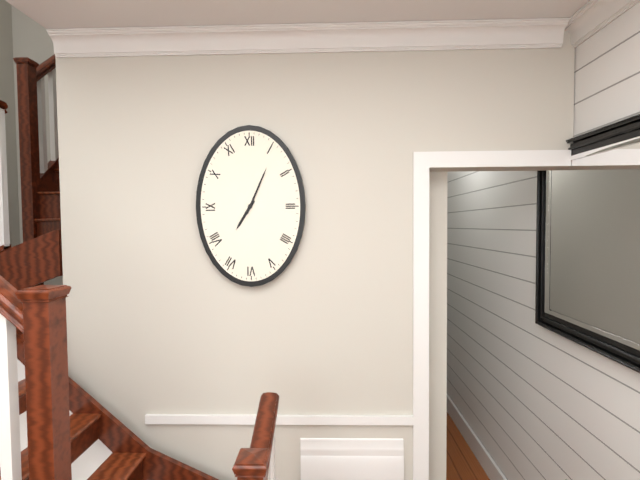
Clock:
7 h 04 min
